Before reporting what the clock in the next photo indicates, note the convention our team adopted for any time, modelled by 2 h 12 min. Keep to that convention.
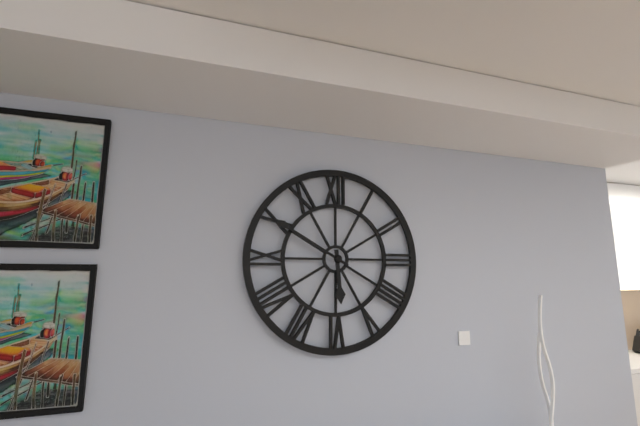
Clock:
5 h 50 min
